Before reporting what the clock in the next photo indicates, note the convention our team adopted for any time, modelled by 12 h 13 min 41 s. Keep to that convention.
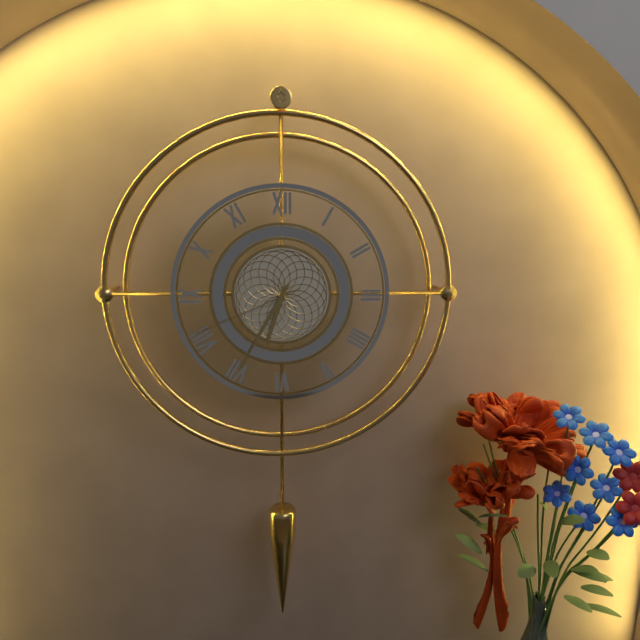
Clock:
6 h 35 min 41 s
